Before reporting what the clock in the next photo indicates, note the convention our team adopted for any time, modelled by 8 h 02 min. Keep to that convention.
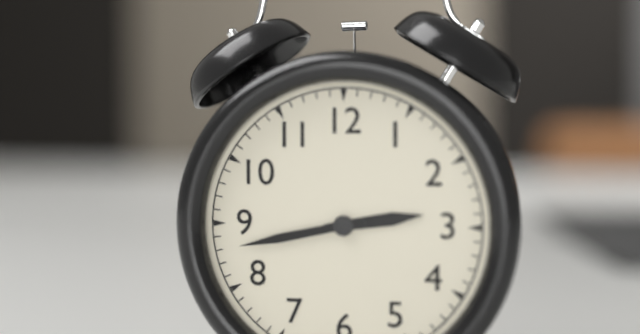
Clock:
2 h 43 min
